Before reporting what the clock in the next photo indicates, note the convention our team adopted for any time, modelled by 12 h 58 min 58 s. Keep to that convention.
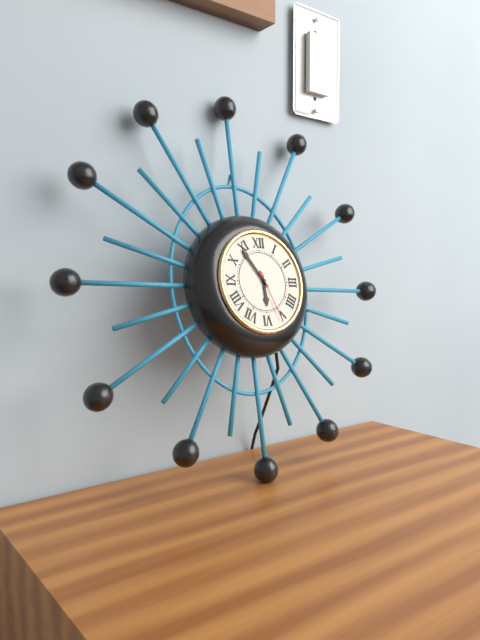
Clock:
5 h 54 min 26 s
